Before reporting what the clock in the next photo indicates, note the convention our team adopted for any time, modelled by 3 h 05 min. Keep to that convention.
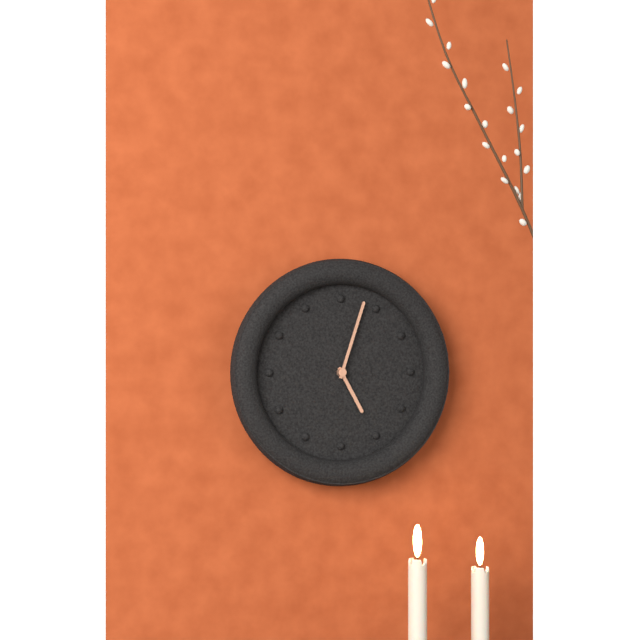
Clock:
5 h 03 min
